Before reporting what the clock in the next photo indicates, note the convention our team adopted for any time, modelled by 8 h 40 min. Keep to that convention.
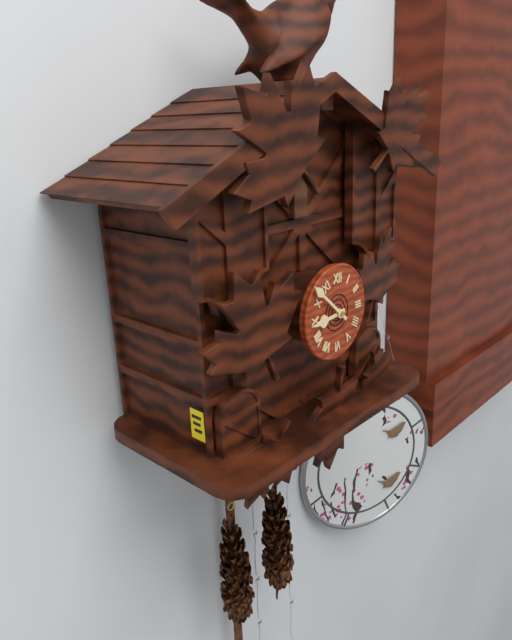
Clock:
8 h 52 min
